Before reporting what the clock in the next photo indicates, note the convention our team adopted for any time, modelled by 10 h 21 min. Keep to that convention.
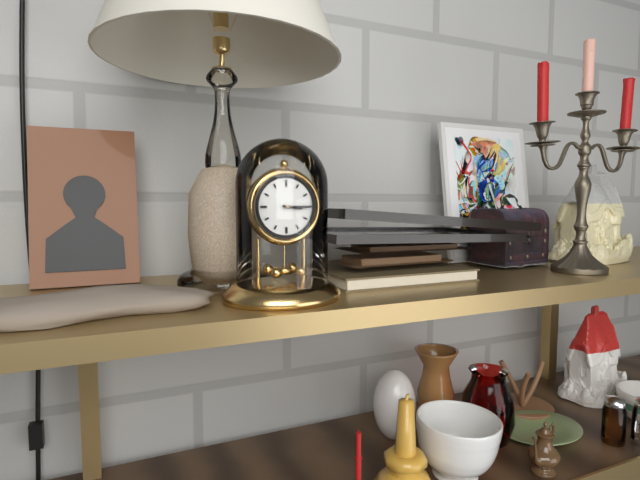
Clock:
3 h 15 min
